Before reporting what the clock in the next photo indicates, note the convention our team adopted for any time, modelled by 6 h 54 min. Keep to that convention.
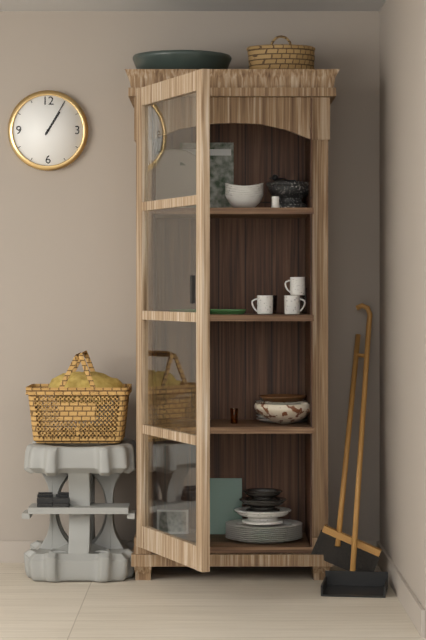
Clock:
1 h 05 min
